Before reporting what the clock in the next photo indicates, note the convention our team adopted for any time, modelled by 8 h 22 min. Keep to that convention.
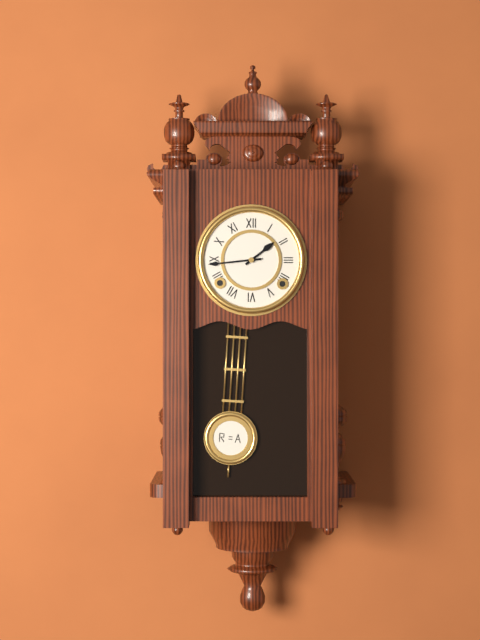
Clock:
1 h 44 min
